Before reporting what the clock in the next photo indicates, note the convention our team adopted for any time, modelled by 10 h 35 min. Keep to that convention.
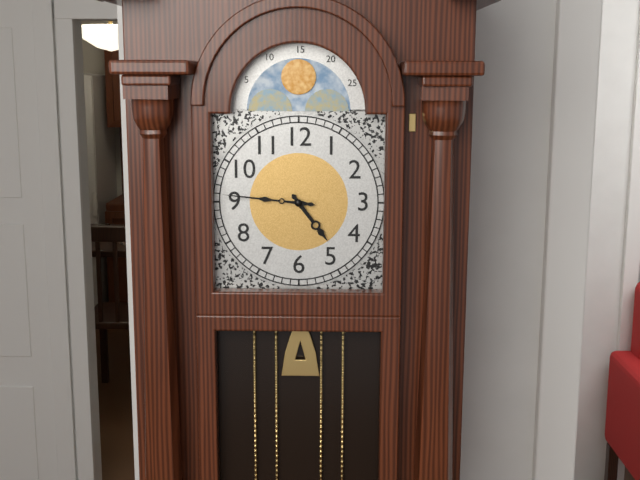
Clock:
4 h 46 min
